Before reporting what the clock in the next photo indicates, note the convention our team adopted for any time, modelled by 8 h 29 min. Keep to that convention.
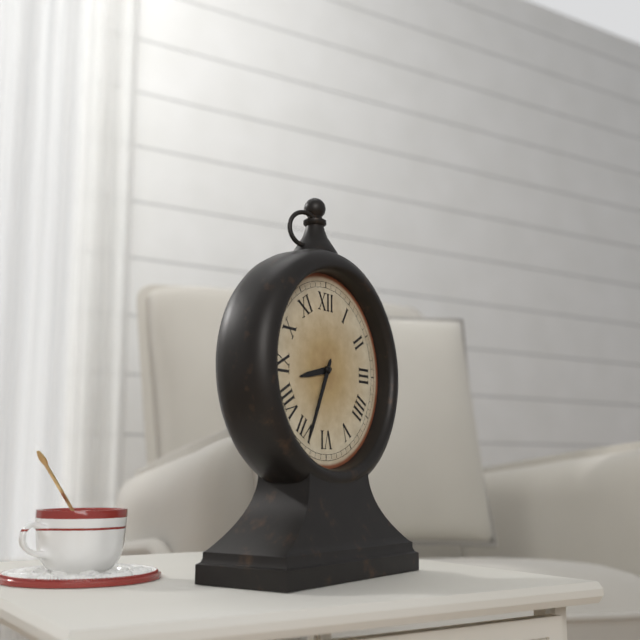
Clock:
8 h 34 min
